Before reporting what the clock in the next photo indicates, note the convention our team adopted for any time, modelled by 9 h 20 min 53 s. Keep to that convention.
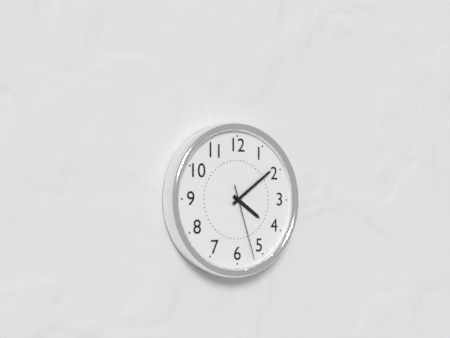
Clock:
4 h 09 min 27 s
